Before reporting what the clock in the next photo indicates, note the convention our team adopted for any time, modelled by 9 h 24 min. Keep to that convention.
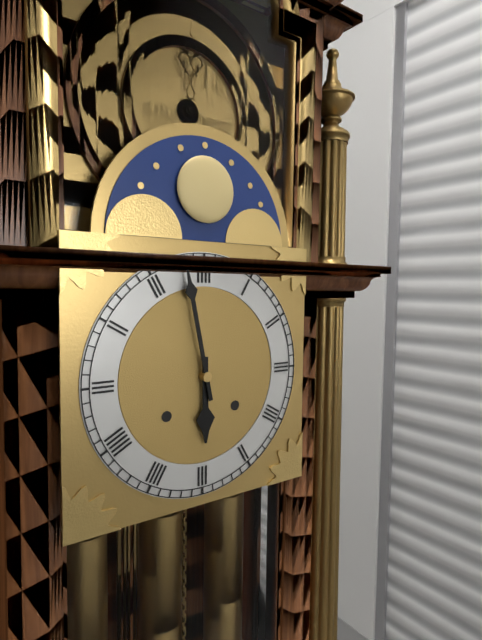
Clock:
5 h 58 min
